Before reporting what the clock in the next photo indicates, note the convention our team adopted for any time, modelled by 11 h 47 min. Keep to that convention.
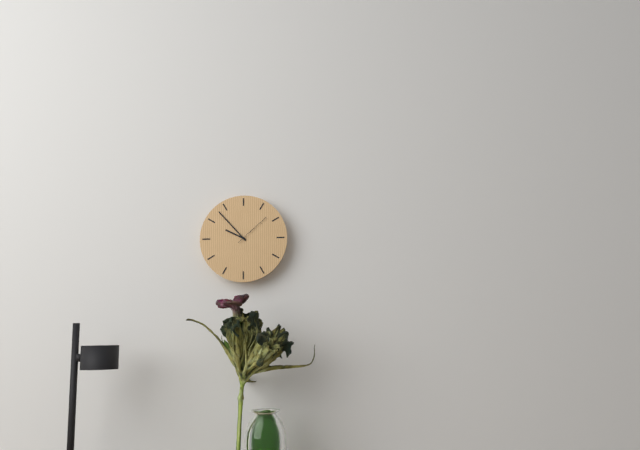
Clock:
9 h 53 min
